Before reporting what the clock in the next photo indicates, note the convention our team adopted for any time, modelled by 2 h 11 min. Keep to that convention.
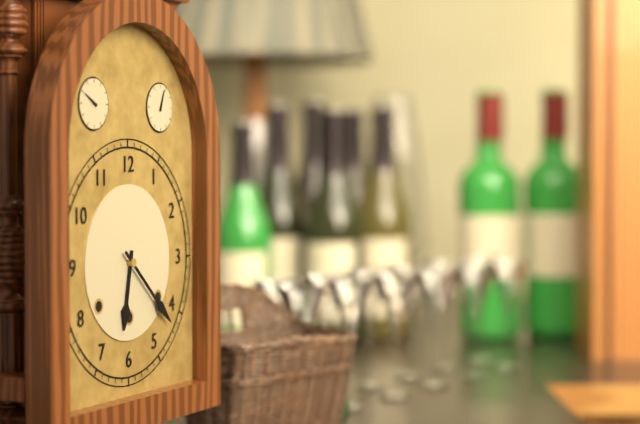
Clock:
6 h 22 min
